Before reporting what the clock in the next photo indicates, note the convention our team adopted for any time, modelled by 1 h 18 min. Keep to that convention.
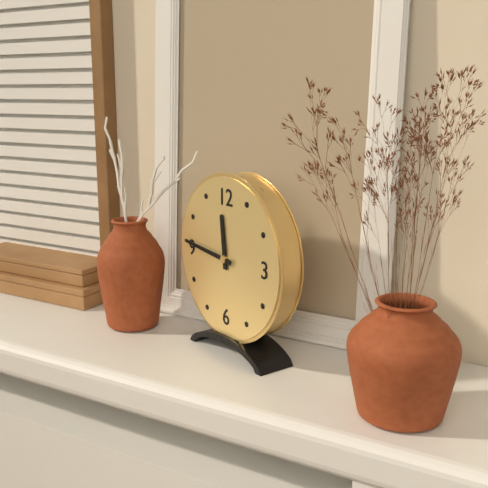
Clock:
11 h 46 min
